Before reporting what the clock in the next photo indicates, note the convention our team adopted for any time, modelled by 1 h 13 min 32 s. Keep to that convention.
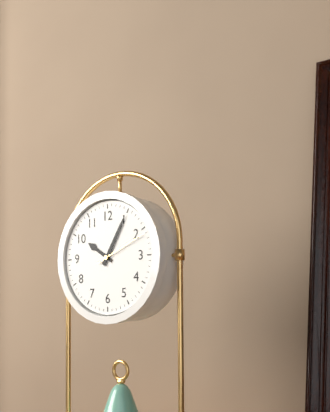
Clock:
10 h 05 min 11 s
